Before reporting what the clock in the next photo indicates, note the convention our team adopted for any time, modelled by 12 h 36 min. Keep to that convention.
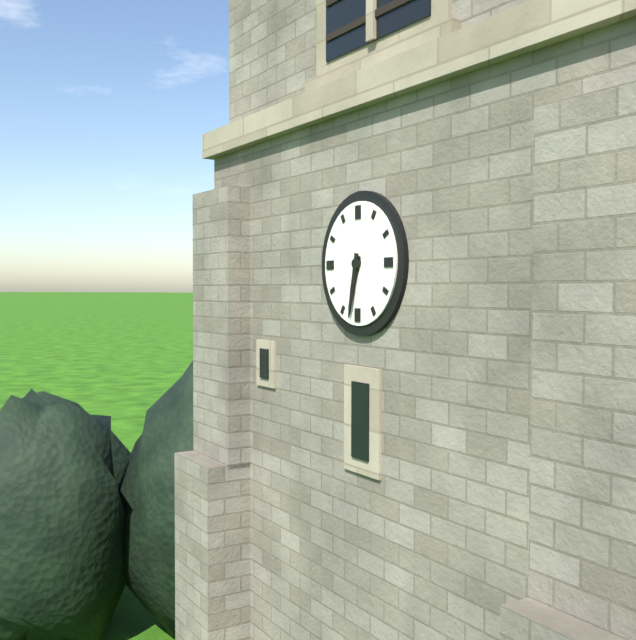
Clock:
6 h 32 min
